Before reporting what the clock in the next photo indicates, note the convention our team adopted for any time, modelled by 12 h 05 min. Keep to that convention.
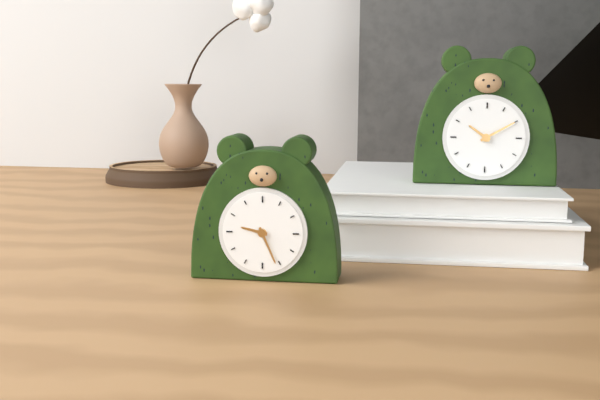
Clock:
9 h 26 min
